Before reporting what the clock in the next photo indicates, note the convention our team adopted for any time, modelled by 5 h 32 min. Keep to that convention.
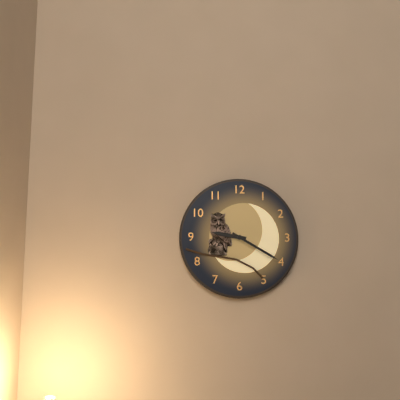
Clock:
9 h 20 min
